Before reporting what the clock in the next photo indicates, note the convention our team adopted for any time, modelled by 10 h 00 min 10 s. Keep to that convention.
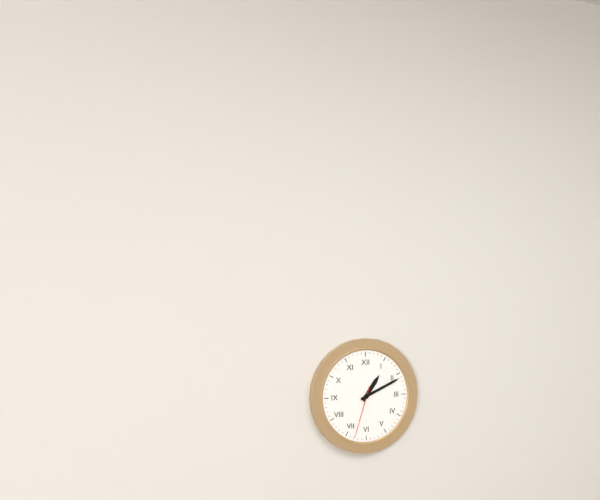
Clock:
1 h 11 min 33 s
